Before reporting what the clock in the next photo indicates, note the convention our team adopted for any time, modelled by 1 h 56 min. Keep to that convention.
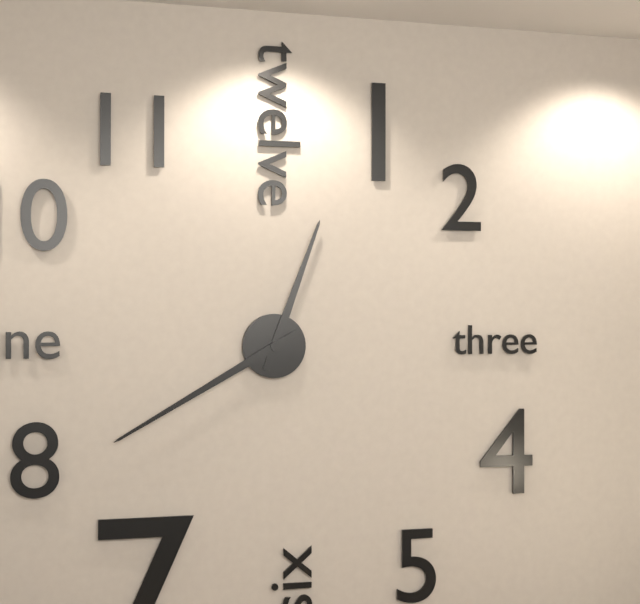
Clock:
12 h 40 min
